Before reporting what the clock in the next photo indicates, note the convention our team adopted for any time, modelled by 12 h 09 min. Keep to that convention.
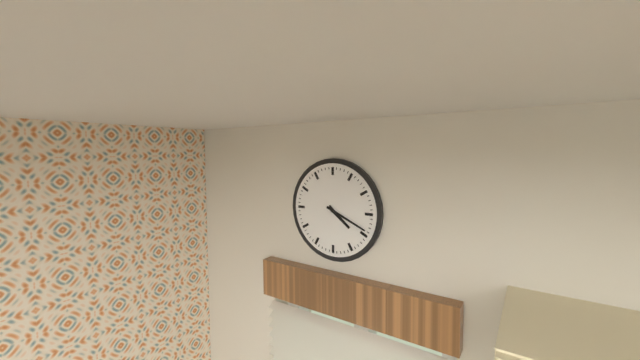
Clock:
4 h 19 min
